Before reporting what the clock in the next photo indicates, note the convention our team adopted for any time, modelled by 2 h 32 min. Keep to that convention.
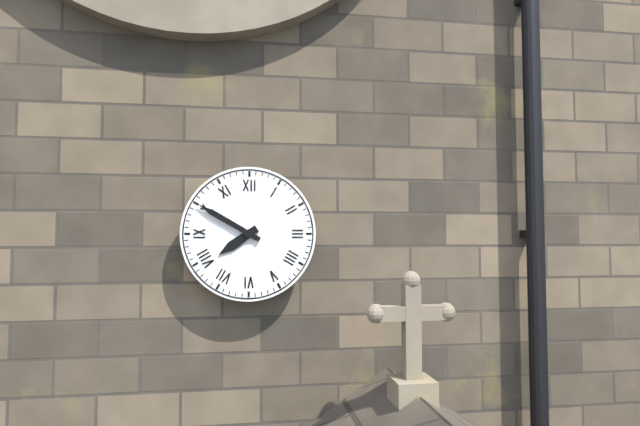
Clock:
7 h 50 min
